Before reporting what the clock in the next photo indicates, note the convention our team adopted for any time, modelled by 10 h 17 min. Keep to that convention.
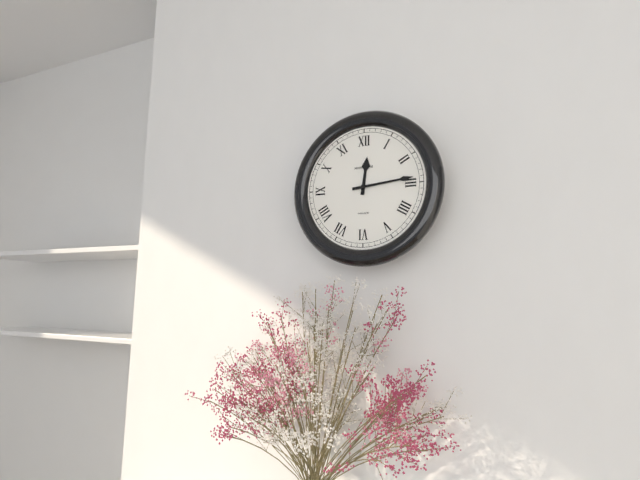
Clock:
12 h 14 min
